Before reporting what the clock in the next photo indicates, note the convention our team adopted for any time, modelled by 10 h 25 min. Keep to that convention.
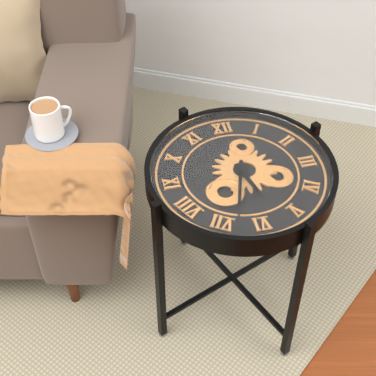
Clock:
5 h 33 min
